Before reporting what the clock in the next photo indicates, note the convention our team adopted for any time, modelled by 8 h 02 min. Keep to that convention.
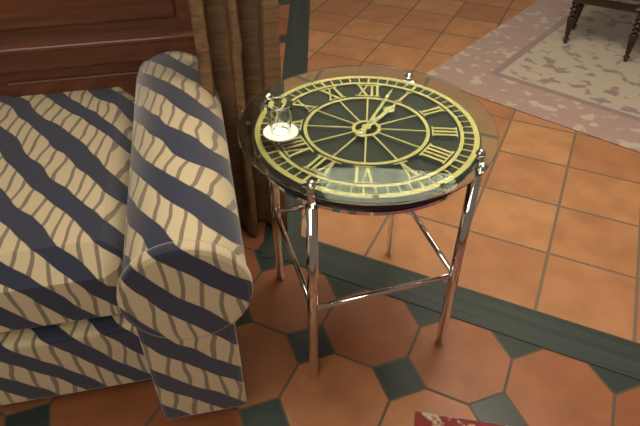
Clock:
1 h 03 min
